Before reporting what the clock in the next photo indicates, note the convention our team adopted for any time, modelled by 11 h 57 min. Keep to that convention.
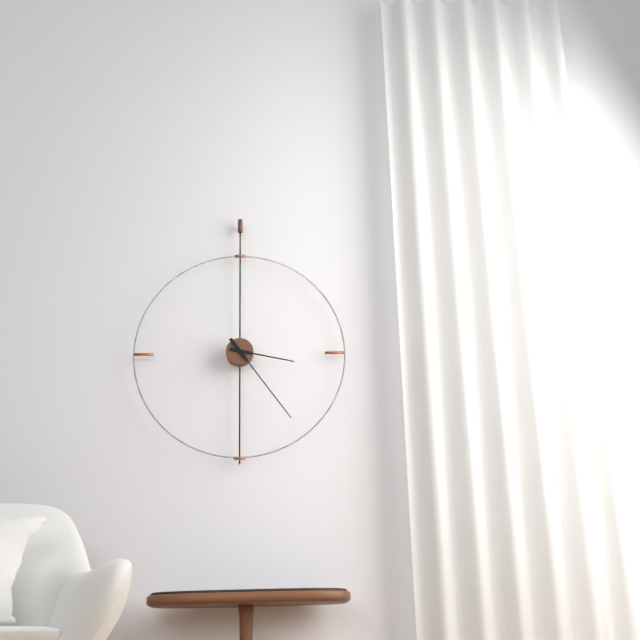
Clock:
3 h 24 min
